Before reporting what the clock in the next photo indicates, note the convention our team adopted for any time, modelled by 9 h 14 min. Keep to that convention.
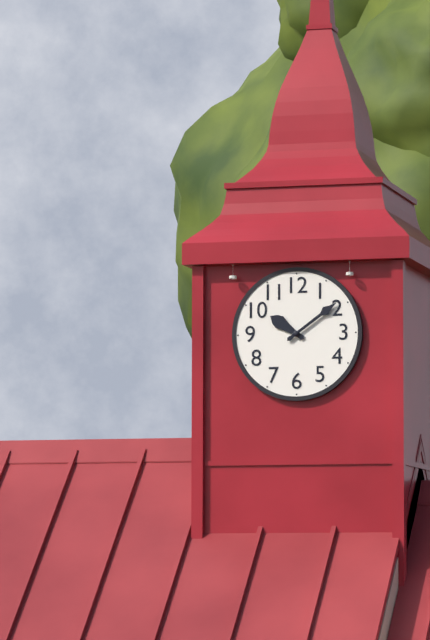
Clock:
10 h 09 min
